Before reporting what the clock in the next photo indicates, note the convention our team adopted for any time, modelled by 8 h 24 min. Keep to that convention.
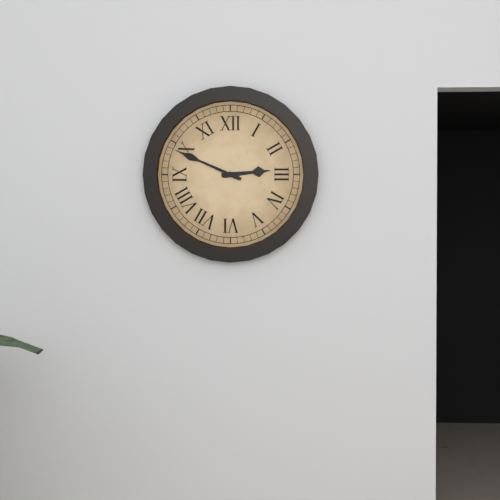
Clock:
2 h 49 min
